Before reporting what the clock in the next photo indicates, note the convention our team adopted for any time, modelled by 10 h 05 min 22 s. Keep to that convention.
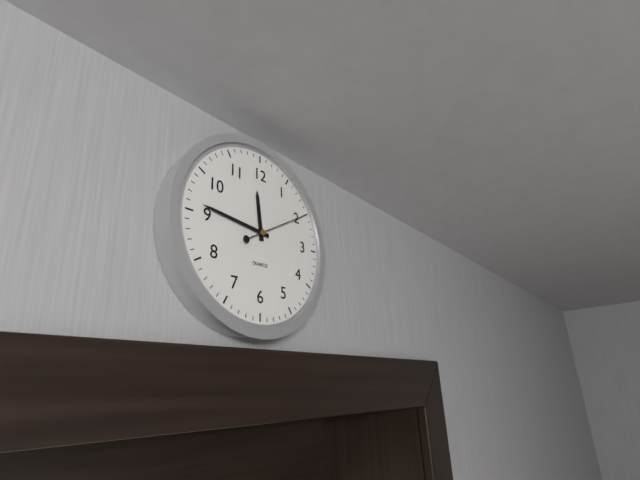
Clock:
11 h 46 min 10 s
